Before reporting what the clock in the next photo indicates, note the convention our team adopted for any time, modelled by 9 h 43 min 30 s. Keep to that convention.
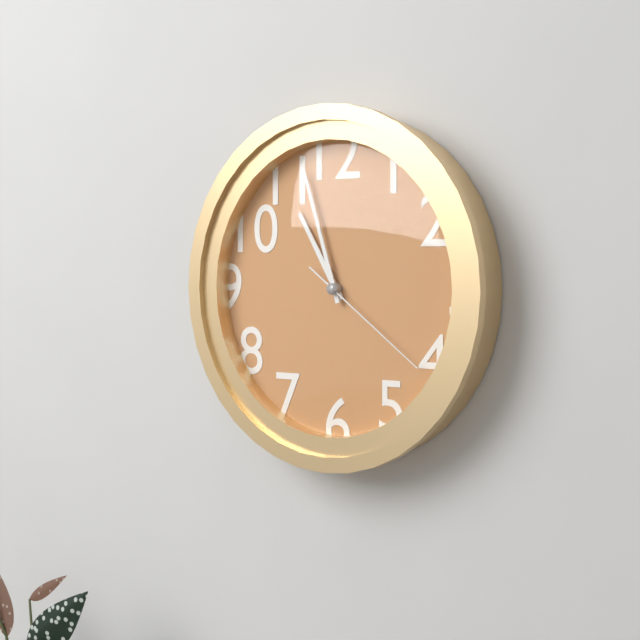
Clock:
10 h 57 min 21 s
